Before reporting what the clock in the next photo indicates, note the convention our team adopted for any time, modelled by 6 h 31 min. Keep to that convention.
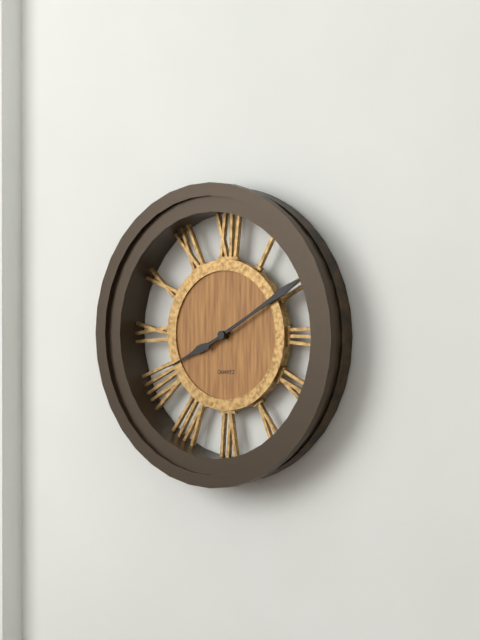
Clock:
8 h 10 min
